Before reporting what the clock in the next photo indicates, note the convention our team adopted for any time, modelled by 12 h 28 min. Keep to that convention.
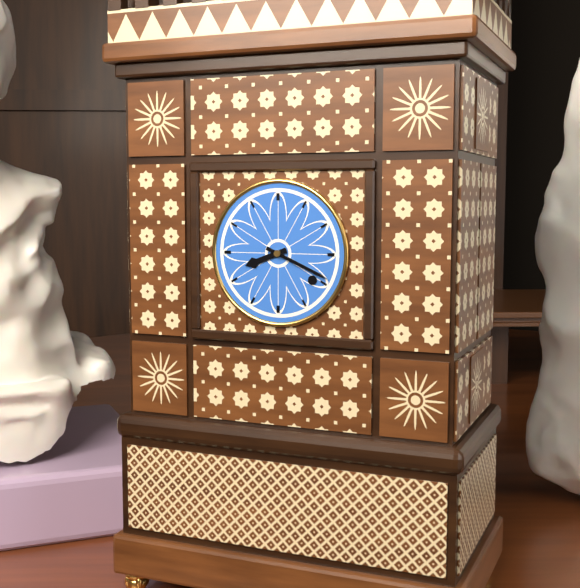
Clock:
8 h 19 min
